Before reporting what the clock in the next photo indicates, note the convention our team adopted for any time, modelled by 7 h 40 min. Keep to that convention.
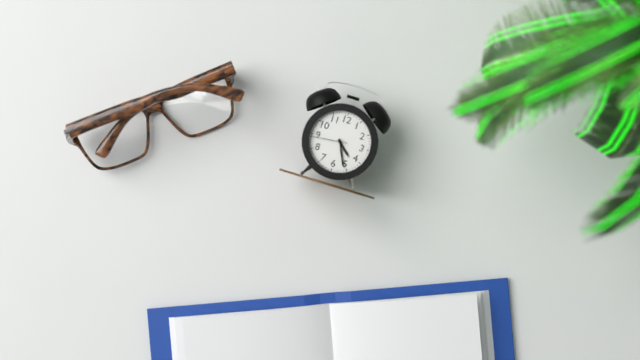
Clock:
4 h 26 min
